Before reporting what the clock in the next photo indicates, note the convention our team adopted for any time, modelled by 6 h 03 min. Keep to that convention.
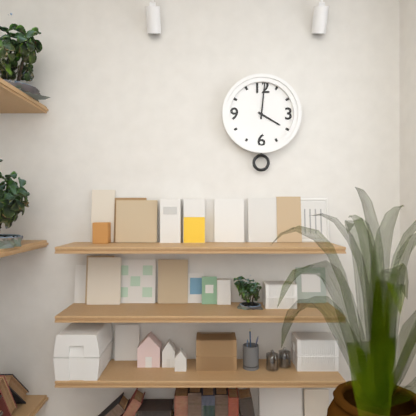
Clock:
4 h 01 min
